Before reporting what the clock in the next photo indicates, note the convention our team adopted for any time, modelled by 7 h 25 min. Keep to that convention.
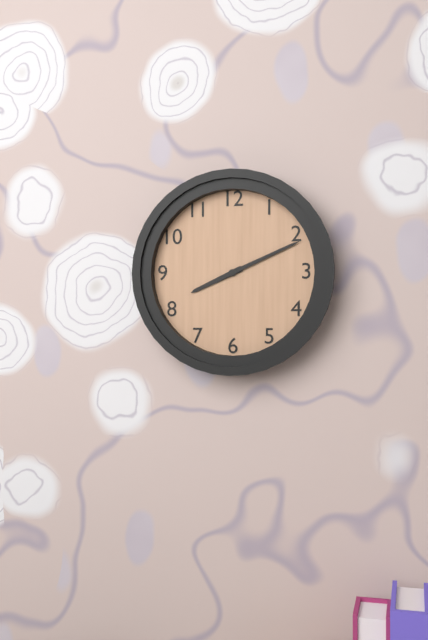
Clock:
8 h 11 min
